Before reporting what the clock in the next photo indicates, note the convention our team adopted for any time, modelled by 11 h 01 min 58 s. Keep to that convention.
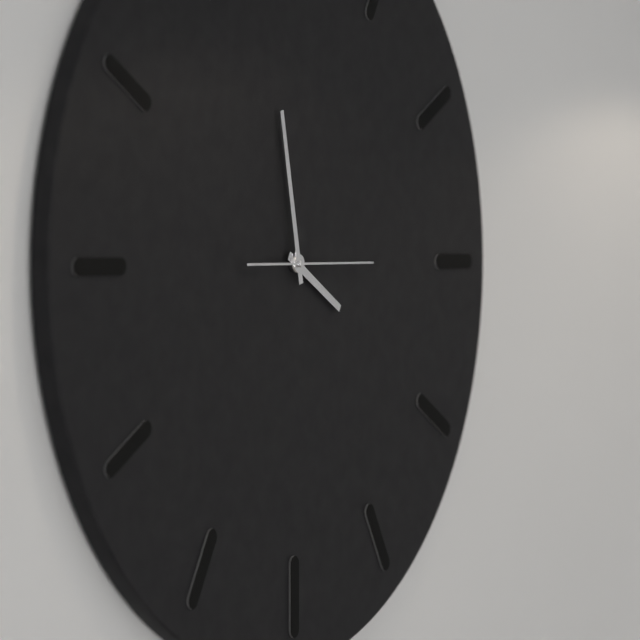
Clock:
3 h 58 min 15 s
